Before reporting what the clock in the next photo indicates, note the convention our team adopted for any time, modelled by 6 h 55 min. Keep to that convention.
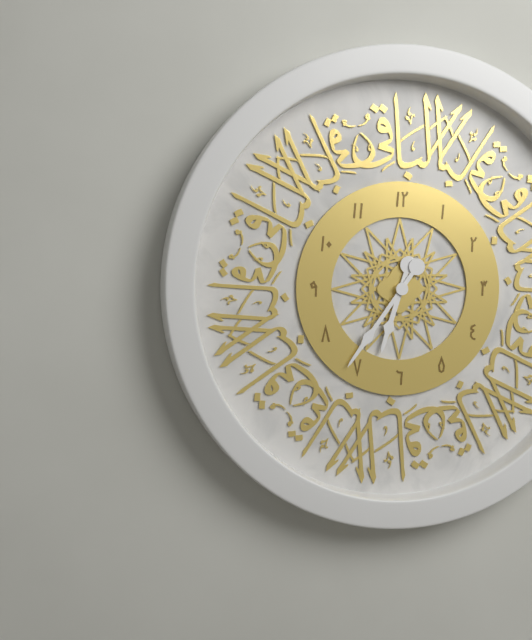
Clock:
6 h 36 min
